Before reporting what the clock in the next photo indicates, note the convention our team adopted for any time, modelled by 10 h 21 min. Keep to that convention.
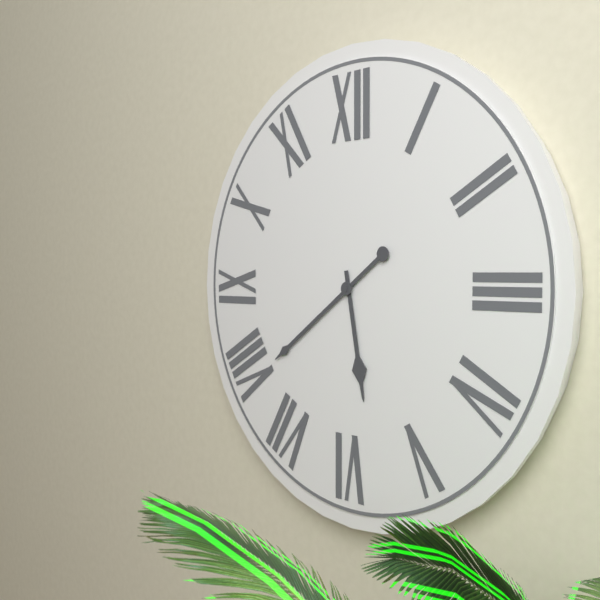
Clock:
5 h 39 min
